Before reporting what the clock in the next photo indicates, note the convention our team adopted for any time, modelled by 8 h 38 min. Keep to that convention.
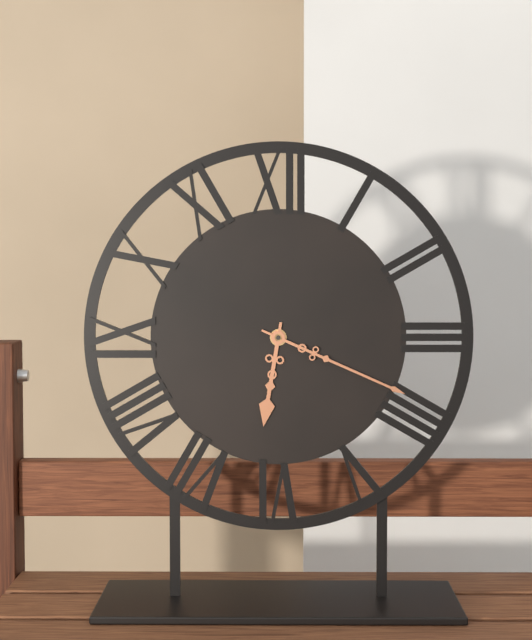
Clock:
6 h 19 min
